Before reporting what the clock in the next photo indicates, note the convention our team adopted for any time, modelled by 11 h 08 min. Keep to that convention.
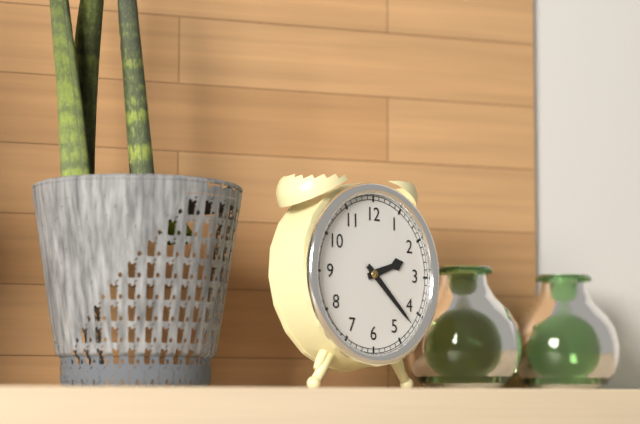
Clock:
2 h 22 min
